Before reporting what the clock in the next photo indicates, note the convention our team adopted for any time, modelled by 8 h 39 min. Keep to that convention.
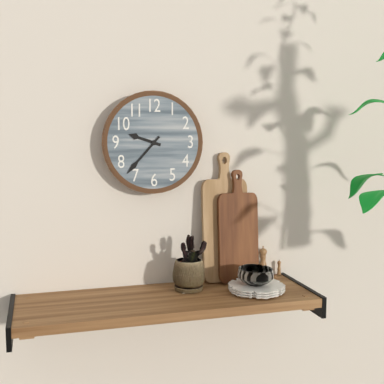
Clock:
9 h 37 min
